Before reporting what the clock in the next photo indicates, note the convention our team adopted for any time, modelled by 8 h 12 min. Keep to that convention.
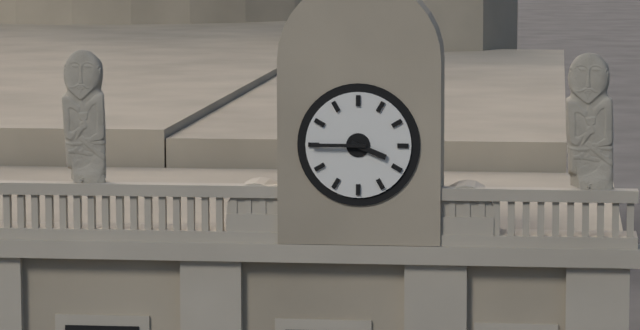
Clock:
3 h 45 min
